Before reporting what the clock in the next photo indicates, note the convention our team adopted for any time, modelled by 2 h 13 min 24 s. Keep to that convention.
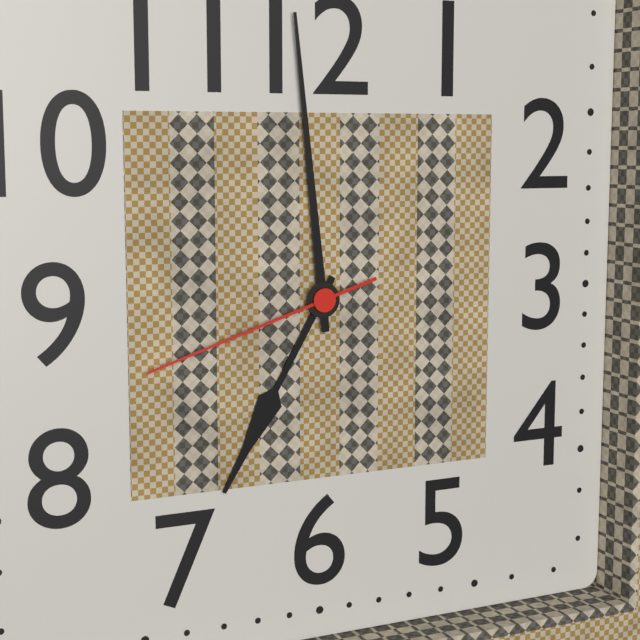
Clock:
6 h 59 min 42 s
